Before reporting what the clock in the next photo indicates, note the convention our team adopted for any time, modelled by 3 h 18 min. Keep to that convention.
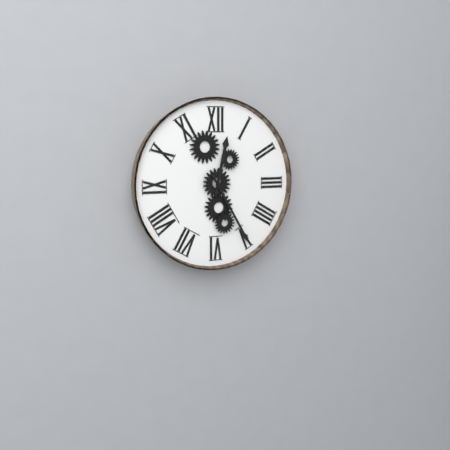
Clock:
12 h 25 min
